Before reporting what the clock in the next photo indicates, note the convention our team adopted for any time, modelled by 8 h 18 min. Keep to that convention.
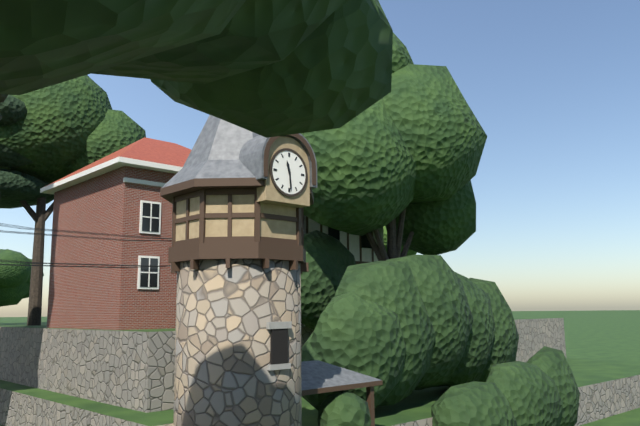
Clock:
11 h 29 min
